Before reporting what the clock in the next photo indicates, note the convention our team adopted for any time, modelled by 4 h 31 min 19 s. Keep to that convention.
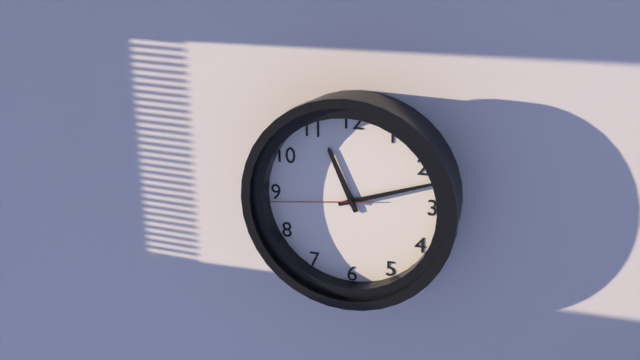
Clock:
11 h 12 min 44 s
